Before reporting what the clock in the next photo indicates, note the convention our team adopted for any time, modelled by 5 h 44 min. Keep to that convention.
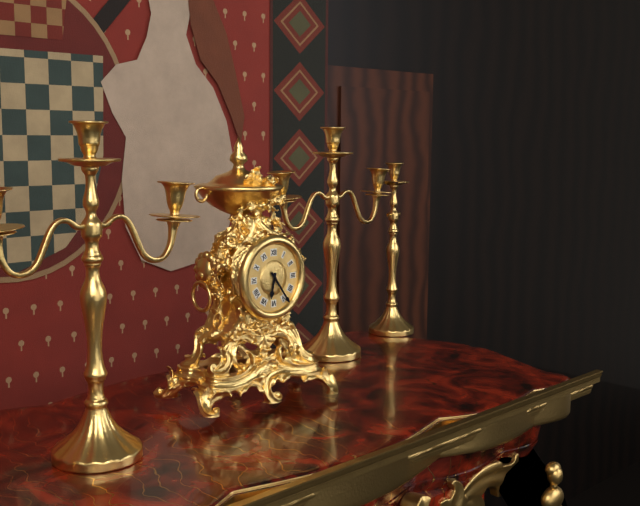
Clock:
6 h 24 min
